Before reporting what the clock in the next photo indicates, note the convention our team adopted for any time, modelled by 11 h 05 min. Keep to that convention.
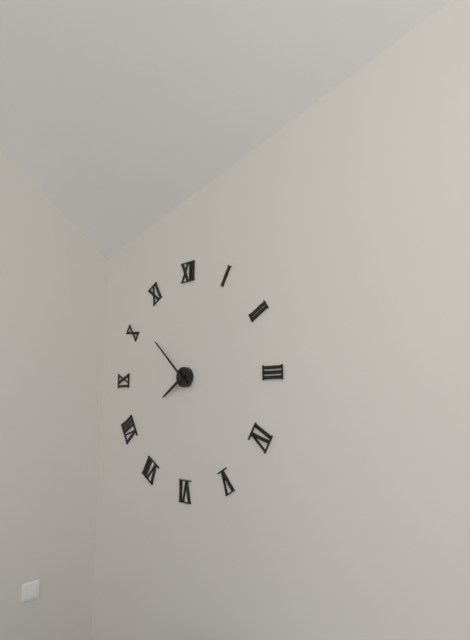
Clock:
7 h 52 min
